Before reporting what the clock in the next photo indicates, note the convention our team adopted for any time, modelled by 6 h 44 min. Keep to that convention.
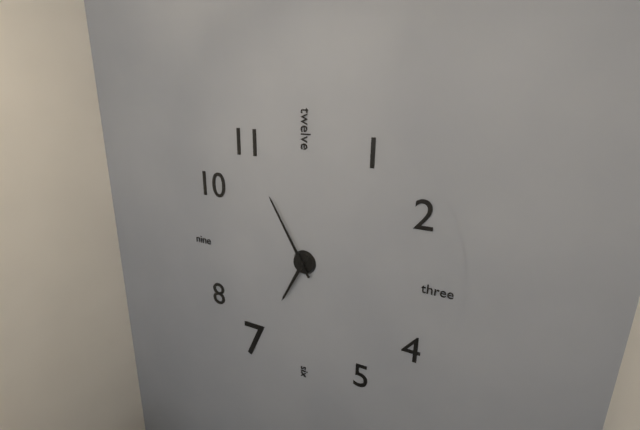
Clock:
6 h 55 min
